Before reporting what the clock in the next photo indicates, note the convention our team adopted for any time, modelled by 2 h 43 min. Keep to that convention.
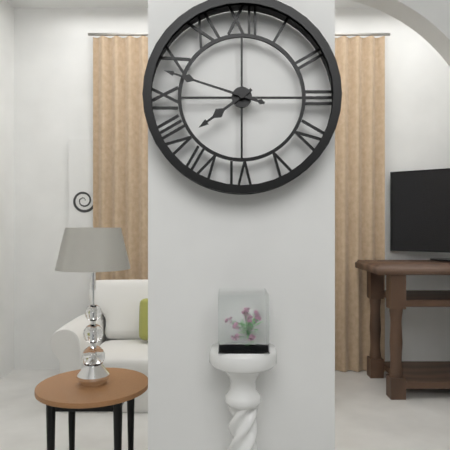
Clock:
7 h 48 min
